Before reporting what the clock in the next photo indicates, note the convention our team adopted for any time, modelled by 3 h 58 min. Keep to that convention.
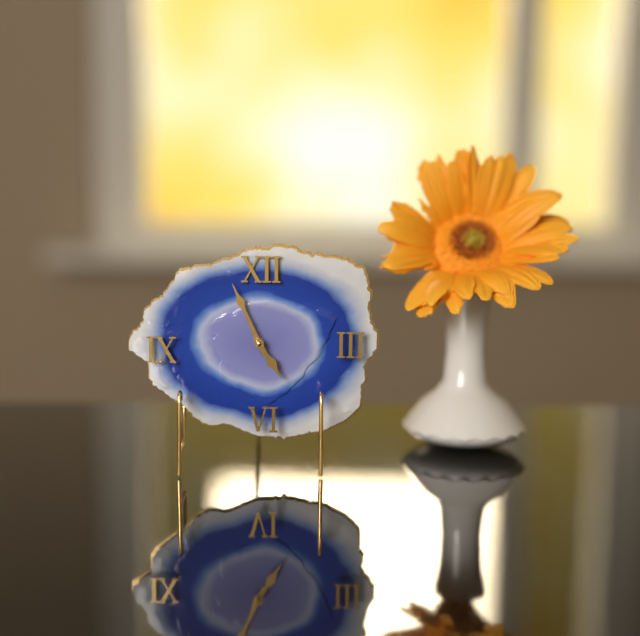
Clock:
4 h 56 min
